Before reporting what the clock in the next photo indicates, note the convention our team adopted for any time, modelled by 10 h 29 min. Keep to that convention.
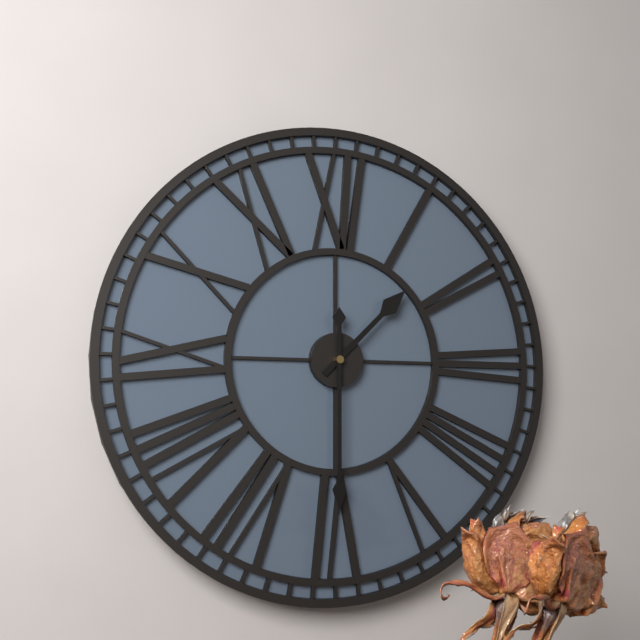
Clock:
1 h 30 min
